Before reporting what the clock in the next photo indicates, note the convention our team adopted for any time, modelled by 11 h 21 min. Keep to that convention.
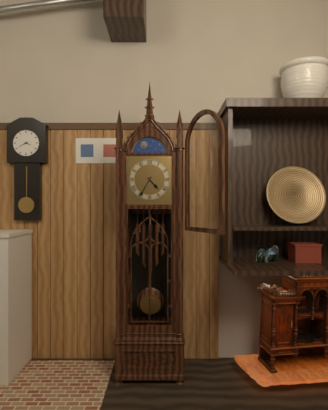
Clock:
4 h 35 min
